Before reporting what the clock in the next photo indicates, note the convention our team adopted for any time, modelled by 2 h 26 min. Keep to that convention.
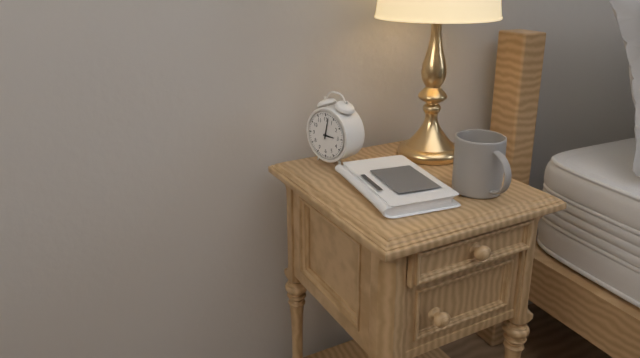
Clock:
3 h 02 min
